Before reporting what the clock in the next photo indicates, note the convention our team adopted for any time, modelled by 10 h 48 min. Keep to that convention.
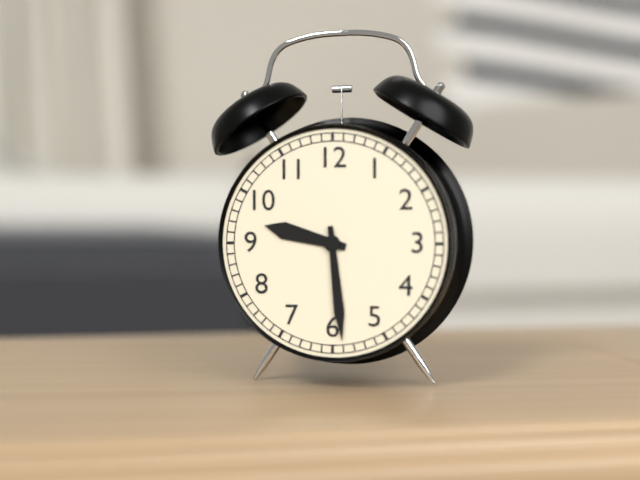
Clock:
9 h 29 min
